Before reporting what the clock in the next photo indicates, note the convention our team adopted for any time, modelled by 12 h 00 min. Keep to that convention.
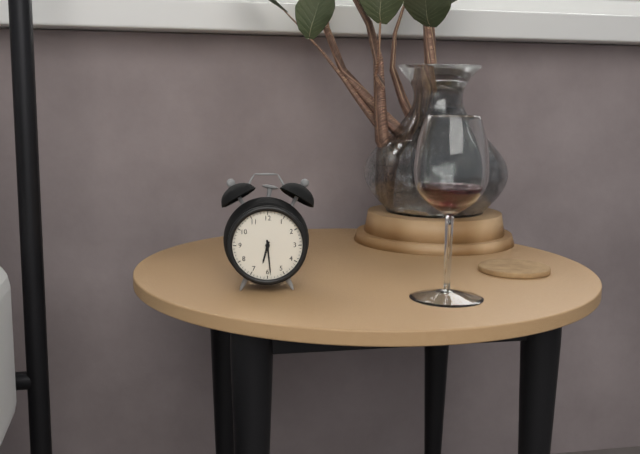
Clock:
6 h 29 min
